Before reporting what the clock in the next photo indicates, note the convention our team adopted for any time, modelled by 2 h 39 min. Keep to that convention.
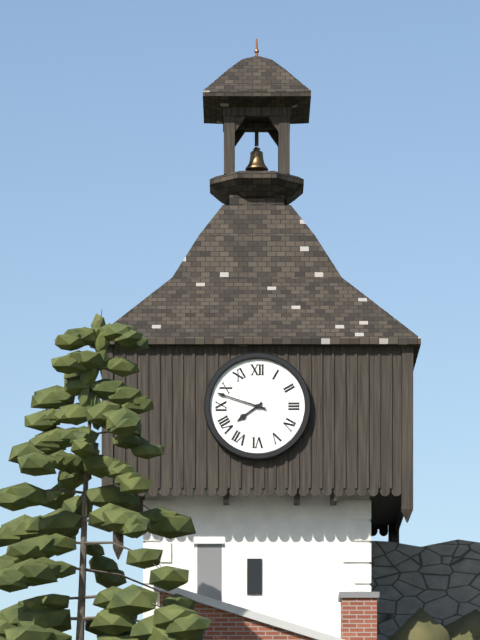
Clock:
7 h 48 min
